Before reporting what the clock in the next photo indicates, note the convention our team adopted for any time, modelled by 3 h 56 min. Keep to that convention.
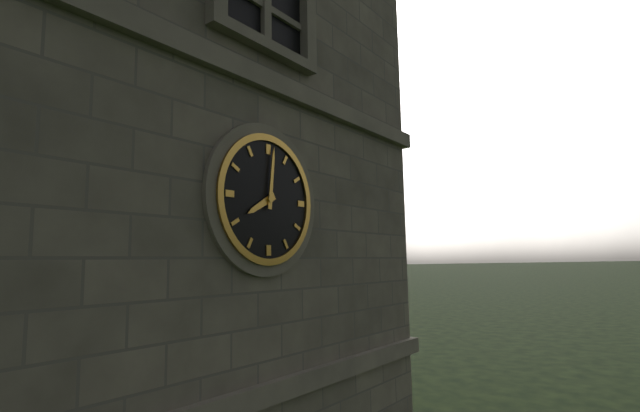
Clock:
8 h 01 min
